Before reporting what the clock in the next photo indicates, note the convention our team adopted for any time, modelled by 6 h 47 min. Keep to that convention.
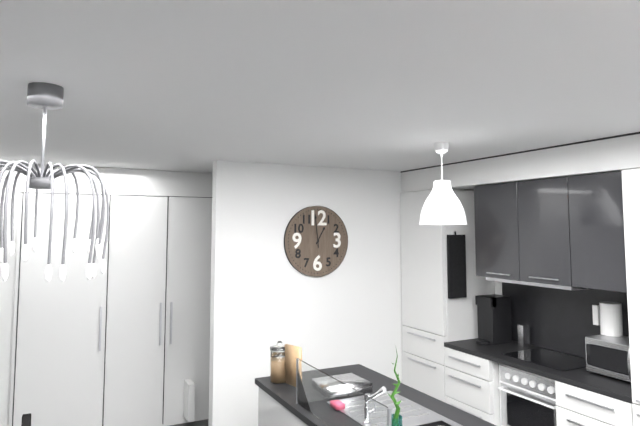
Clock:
12 h 59 min
